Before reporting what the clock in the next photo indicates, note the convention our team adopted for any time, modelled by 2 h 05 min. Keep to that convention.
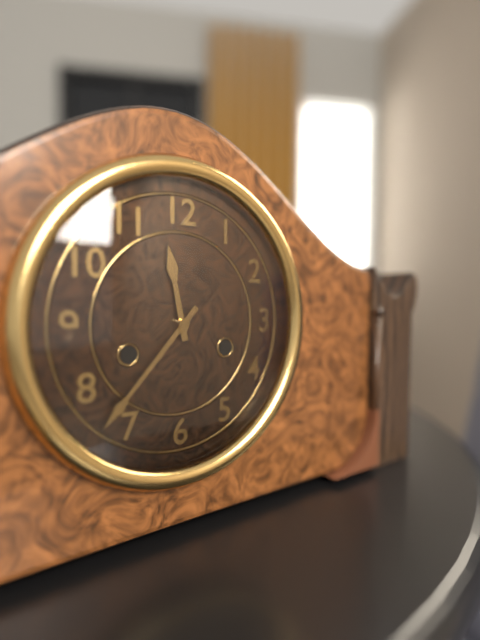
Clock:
11 h 37 min
